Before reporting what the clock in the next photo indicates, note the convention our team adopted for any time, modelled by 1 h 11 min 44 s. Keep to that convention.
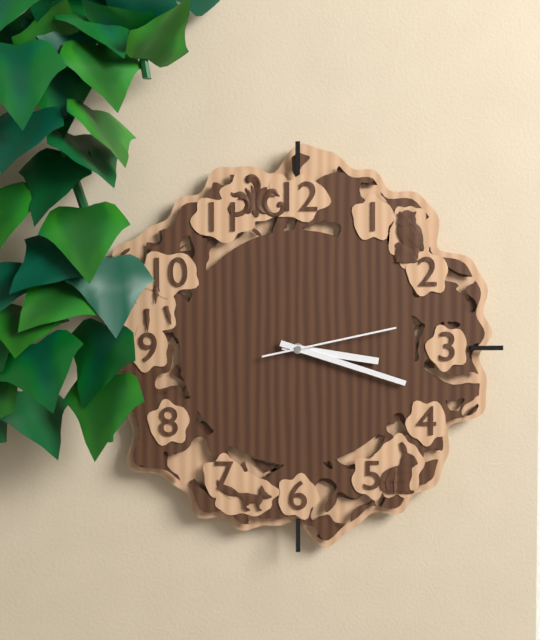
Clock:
3 h 18 min 13 s
